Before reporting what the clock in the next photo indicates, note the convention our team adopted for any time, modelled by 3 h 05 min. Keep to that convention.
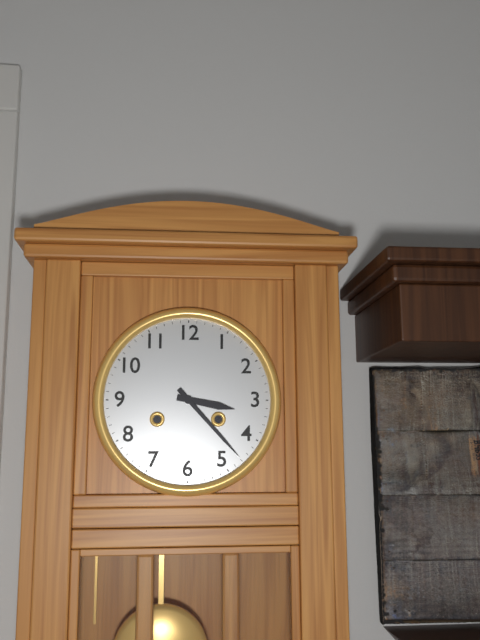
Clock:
3 h 23 min
